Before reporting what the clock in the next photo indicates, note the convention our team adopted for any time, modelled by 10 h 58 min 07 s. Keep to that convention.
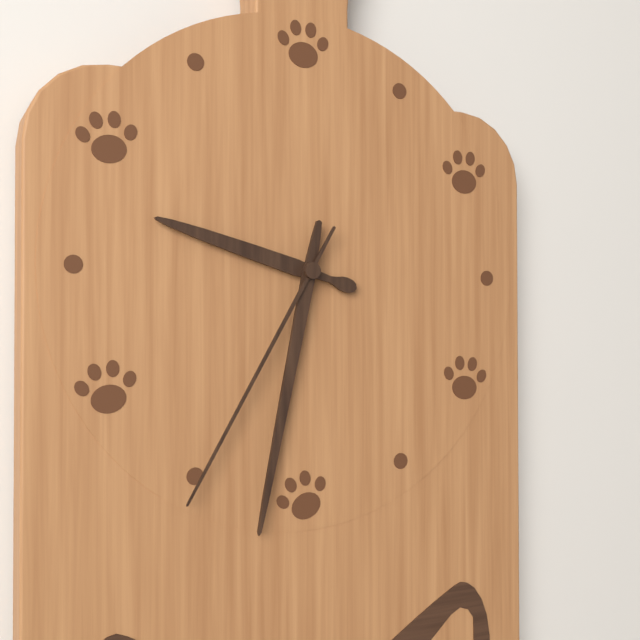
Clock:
9 h 32 min 35 s
